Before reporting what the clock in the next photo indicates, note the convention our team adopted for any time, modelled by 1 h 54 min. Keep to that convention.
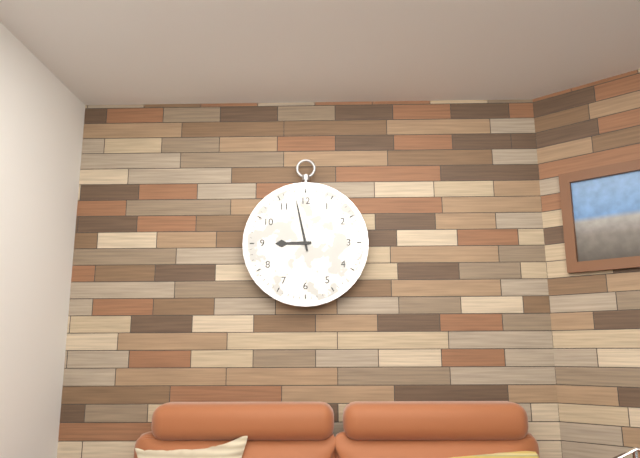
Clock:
8 h 58 min
